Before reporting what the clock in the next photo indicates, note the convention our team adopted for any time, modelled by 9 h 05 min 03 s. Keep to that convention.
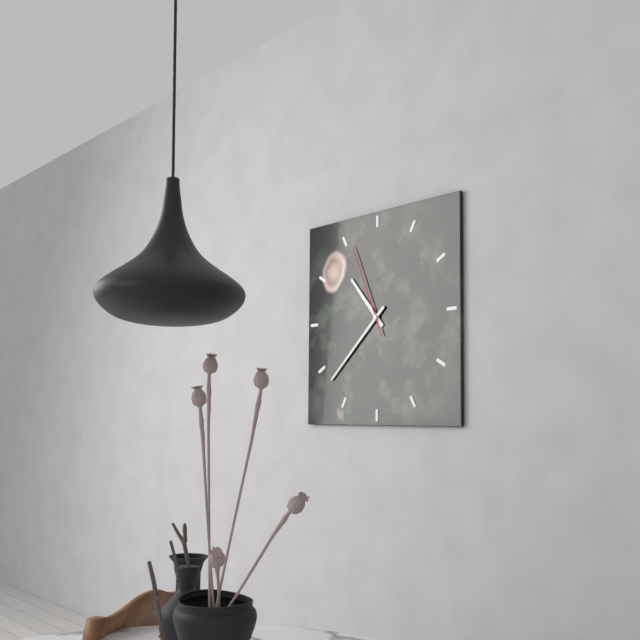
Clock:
10 h 38 min 56 s
